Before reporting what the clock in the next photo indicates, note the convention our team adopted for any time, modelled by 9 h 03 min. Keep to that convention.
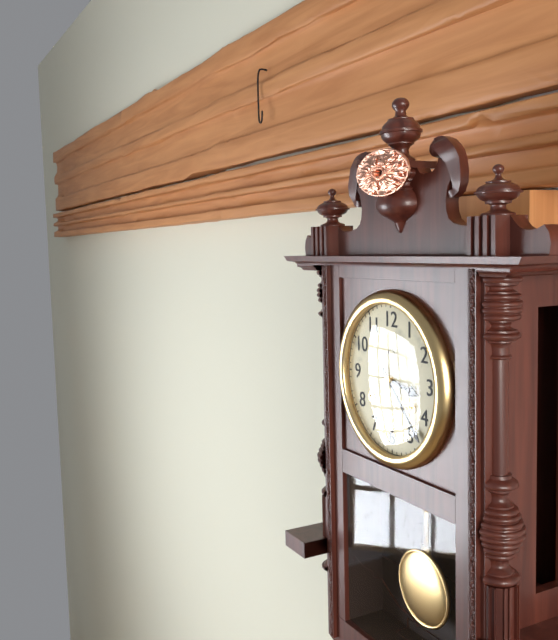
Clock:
3 h 23 min
